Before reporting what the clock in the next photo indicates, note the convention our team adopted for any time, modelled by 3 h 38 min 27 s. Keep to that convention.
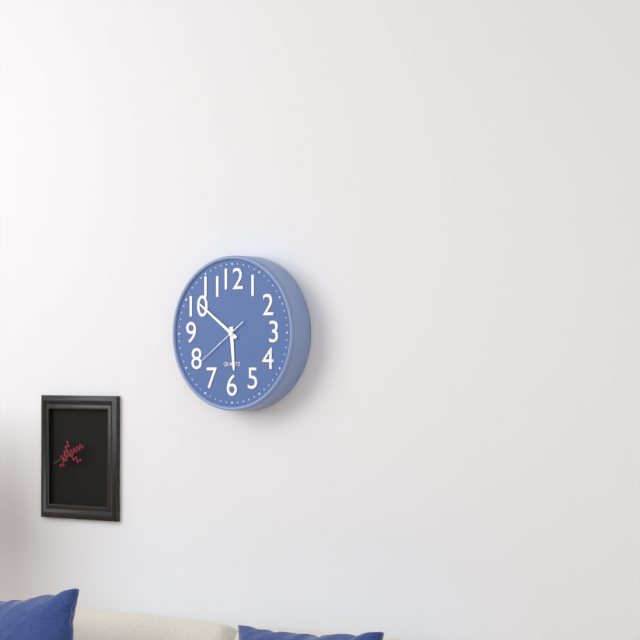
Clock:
5 h 51 min 39 s
